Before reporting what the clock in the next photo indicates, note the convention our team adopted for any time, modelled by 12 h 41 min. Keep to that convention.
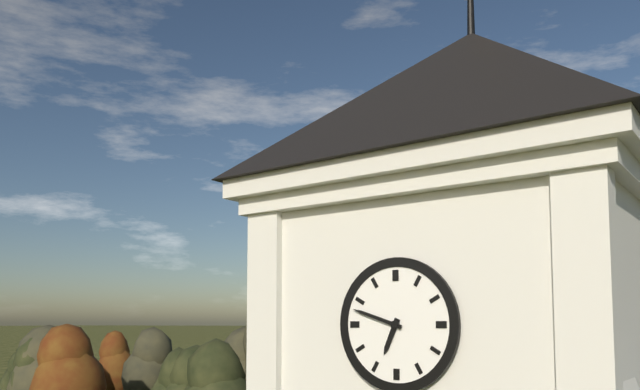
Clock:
6 h 48 min
